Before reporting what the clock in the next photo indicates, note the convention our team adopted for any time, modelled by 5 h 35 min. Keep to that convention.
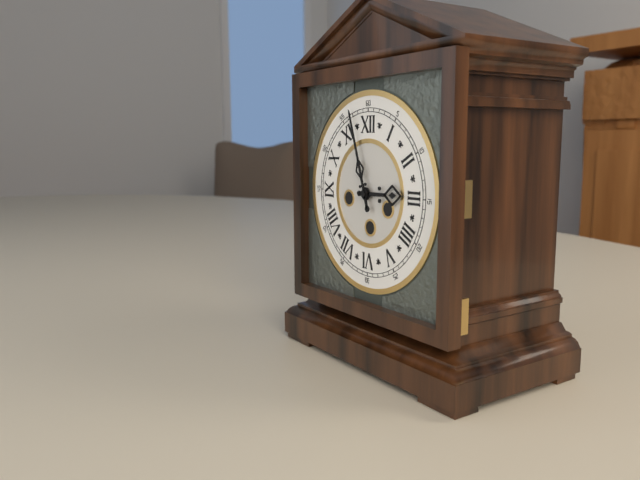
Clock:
2 h 57 min
